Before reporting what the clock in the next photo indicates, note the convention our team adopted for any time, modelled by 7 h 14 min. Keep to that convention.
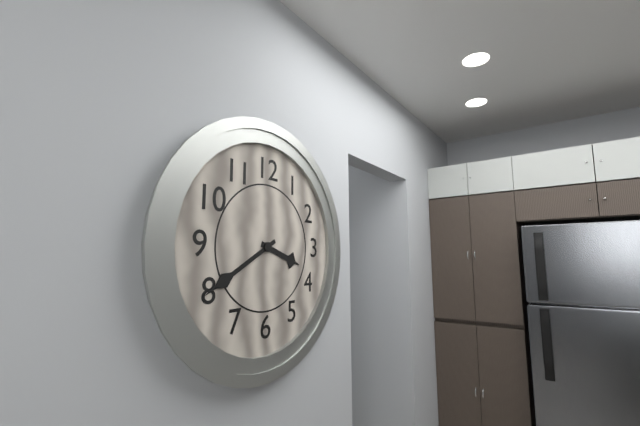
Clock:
3 h 40 min
